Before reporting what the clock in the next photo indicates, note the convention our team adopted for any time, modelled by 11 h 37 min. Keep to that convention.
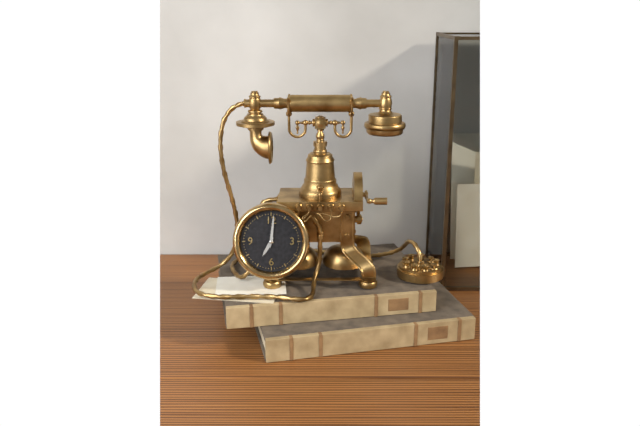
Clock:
7 h 01 min
